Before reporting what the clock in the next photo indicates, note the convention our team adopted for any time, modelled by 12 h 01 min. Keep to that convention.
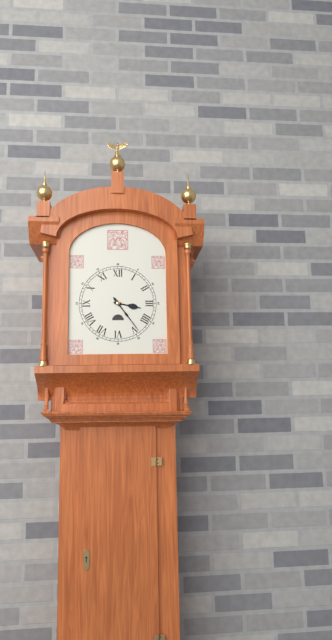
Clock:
3 h 24 min
